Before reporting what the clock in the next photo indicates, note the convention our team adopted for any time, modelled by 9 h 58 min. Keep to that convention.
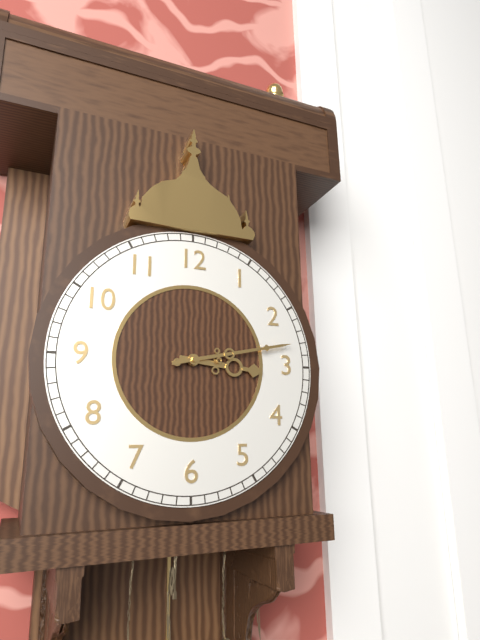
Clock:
3 h 13 min
